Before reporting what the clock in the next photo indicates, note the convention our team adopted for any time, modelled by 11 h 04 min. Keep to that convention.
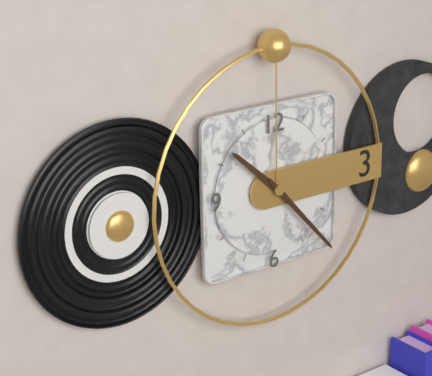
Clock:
10 h 23 min
